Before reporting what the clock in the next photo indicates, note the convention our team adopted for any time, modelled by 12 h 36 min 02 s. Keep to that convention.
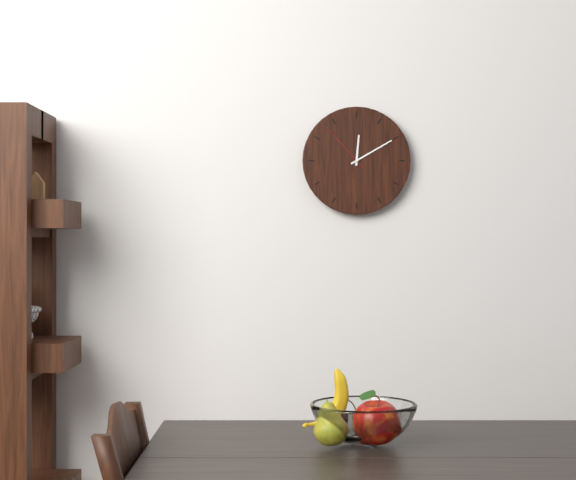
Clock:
12 h 10 min 53 s
